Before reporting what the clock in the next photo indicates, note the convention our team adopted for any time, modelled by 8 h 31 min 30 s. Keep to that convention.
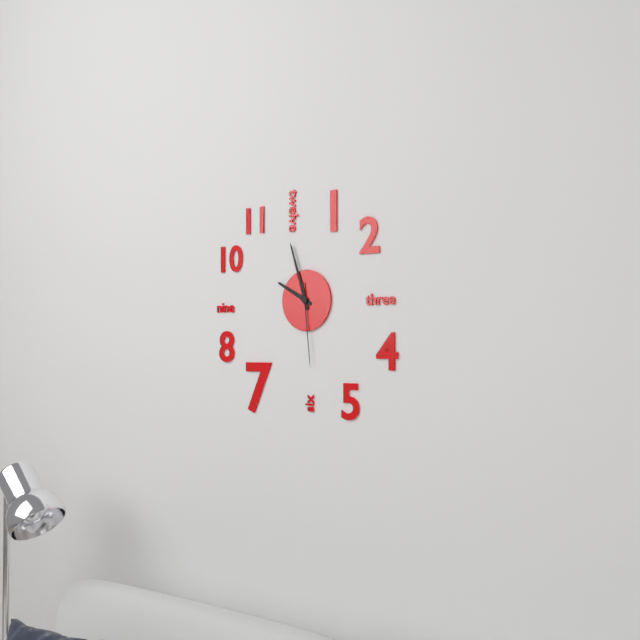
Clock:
9 h 57 min 29 s
